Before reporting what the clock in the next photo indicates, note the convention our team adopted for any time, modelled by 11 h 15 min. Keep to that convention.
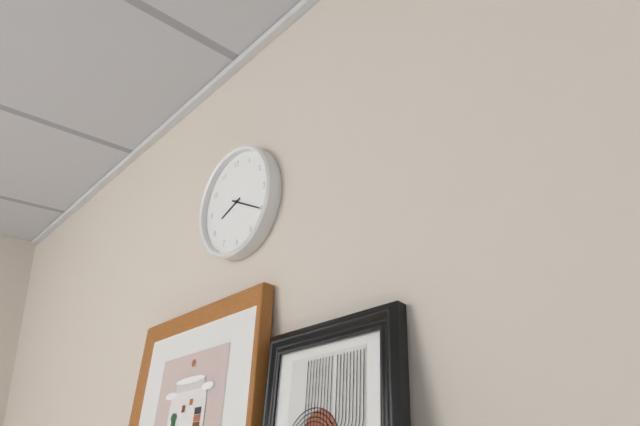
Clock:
8 h 20 min
